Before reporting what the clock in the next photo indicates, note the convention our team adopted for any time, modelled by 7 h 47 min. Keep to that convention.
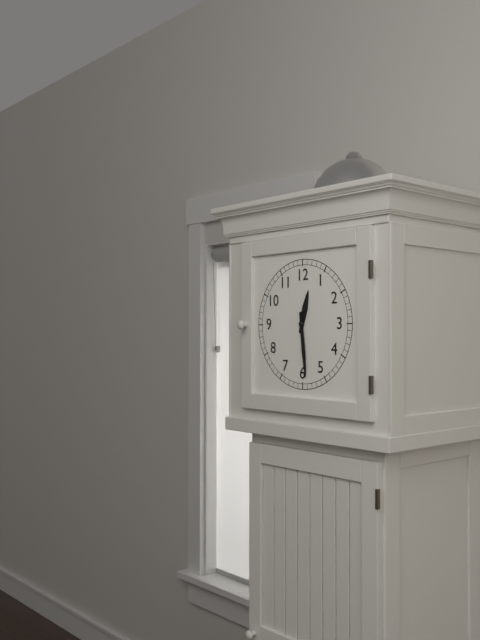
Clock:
12 h 29 min
